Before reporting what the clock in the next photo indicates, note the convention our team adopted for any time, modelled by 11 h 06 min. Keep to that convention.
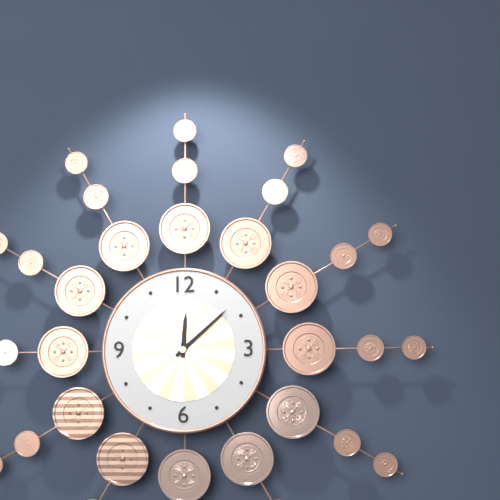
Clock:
12 h 08 min
